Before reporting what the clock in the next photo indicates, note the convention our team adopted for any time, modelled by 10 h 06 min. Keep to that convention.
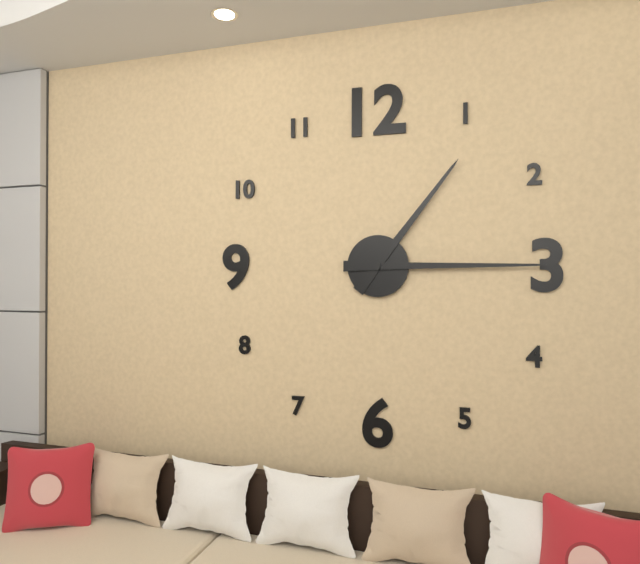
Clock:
1 h 15 min
